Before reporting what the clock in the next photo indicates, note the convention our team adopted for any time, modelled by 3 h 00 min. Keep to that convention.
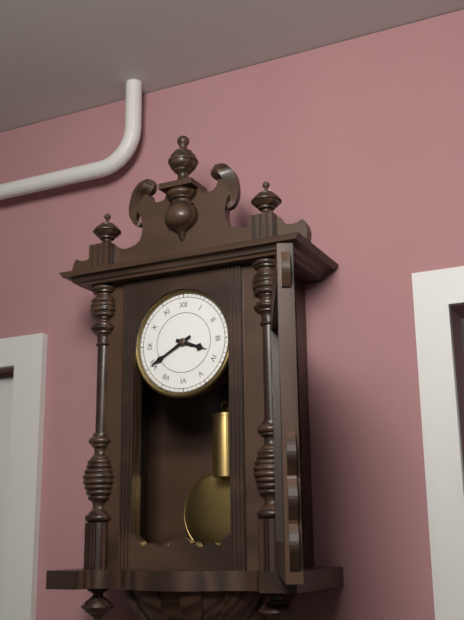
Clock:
3 h 40 min
